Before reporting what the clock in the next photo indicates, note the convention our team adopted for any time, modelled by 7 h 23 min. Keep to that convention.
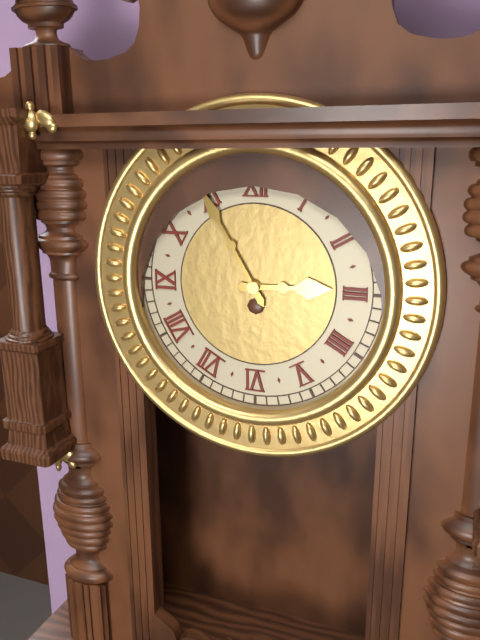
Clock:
2 h 55 min
